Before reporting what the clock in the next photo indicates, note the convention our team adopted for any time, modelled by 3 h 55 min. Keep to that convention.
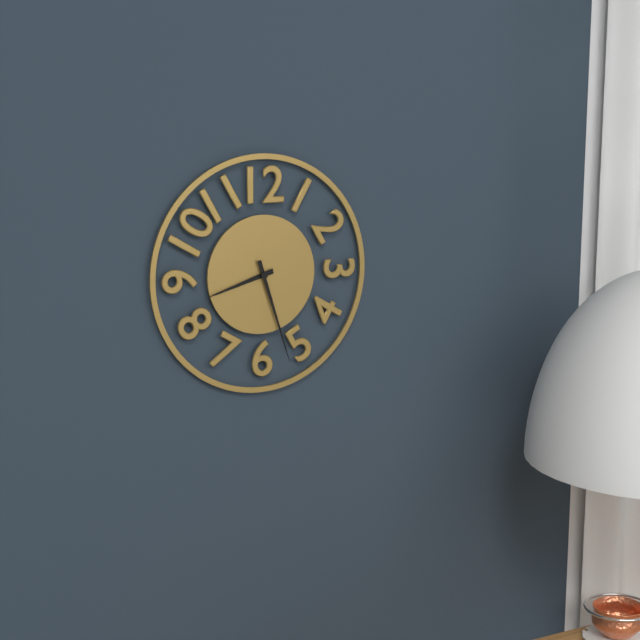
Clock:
8 h 27 min
